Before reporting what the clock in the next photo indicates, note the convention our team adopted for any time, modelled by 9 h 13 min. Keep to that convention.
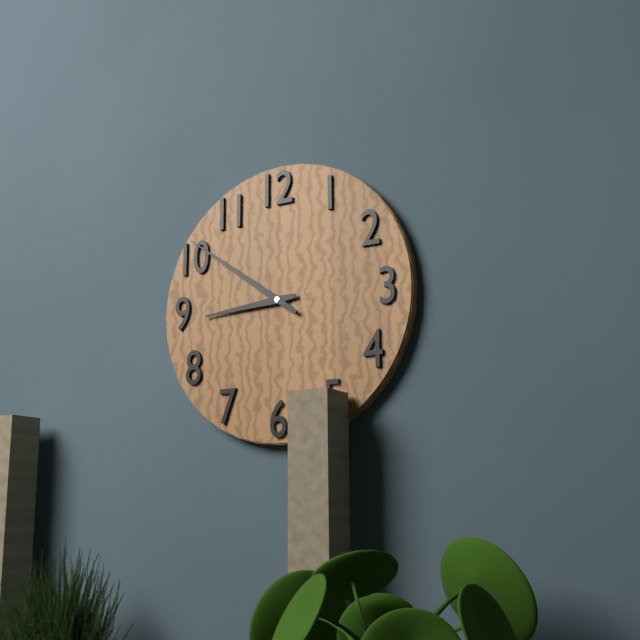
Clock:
8 h 51 min
